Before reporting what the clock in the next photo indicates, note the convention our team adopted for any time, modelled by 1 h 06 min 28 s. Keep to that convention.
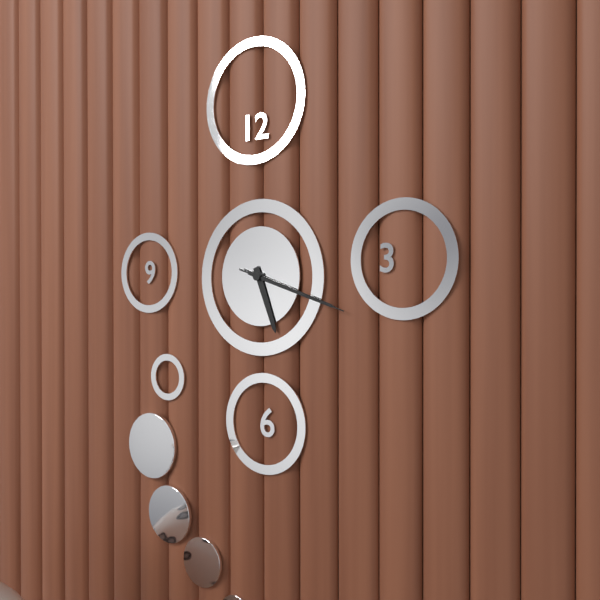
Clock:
5 h 18 min 18 s
